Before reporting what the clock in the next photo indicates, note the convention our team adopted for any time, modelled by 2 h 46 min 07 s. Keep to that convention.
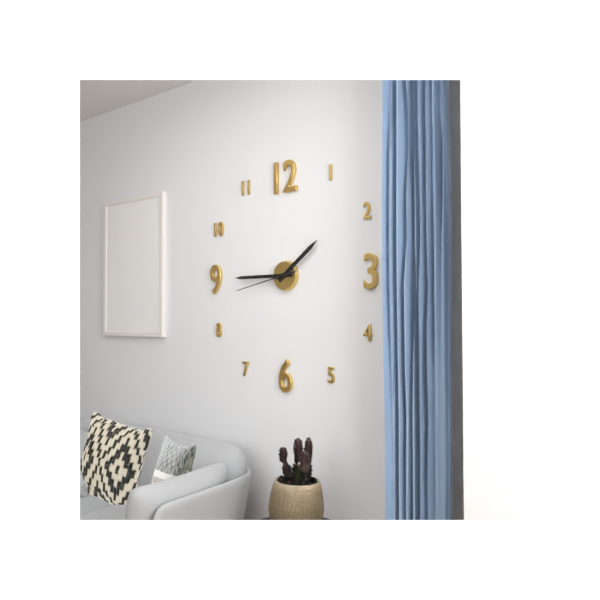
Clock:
1 h 45 min 43 s
